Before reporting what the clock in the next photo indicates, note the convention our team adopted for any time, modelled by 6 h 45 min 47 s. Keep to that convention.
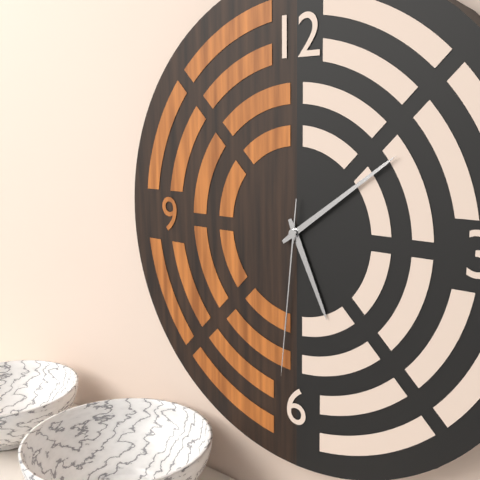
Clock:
5 h 09 min 31 s
